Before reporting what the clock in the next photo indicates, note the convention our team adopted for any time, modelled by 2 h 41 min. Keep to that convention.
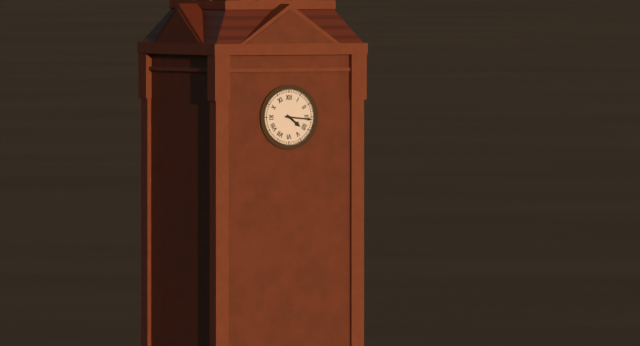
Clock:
4 h 16 min
